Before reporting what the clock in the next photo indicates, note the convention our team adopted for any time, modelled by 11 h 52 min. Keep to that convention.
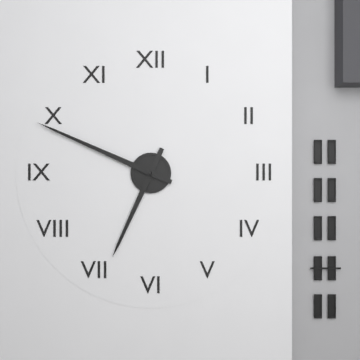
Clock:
6 h 49 min
